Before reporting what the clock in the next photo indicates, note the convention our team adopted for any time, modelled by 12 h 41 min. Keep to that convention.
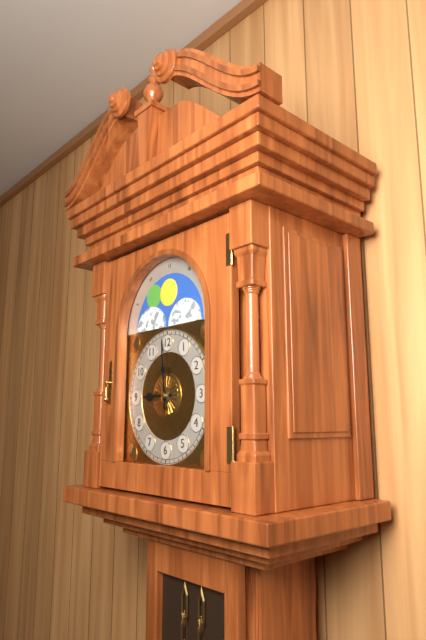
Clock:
8 h 59 min
